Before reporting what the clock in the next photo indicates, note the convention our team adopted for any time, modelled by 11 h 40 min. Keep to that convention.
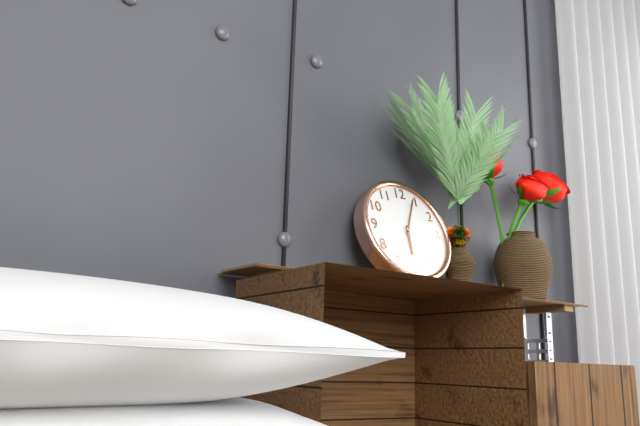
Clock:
6 h 04 min
